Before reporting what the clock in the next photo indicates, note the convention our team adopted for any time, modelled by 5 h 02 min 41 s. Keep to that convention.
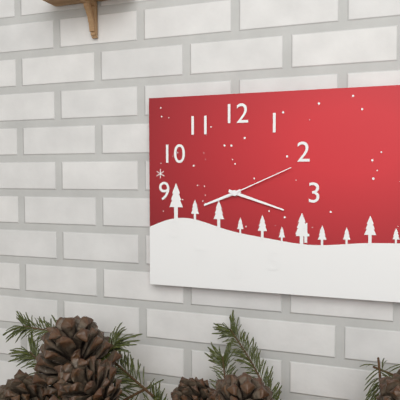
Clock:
8 h 18 min 11 s
